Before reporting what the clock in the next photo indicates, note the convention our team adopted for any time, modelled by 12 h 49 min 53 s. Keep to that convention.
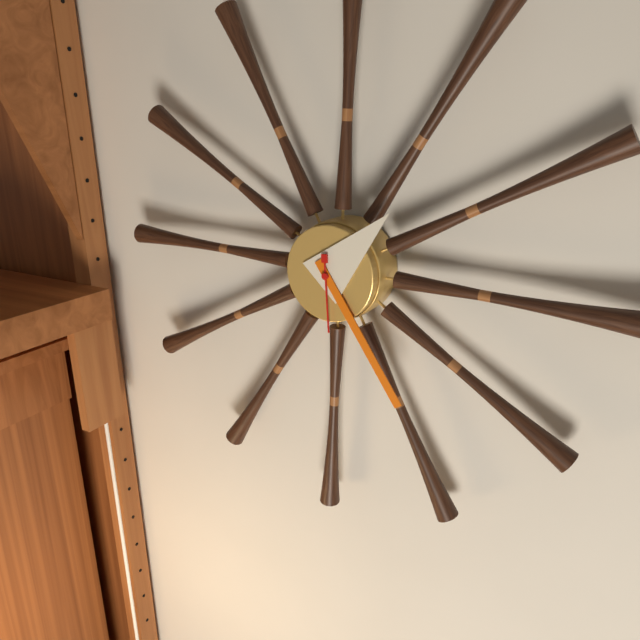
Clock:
1 h 24 min 29 s
